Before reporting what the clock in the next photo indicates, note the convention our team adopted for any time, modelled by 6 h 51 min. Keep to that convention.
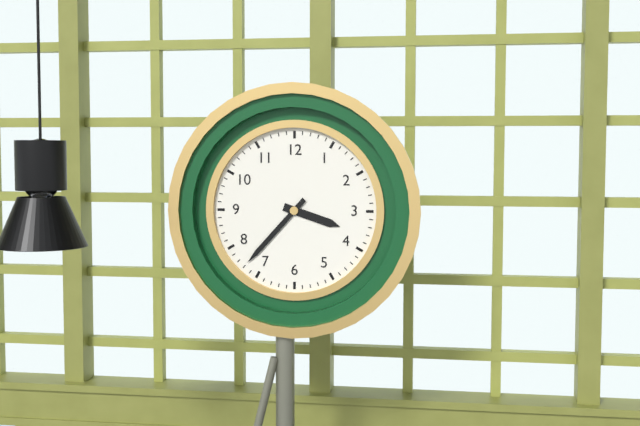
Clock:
3 h 37 min
